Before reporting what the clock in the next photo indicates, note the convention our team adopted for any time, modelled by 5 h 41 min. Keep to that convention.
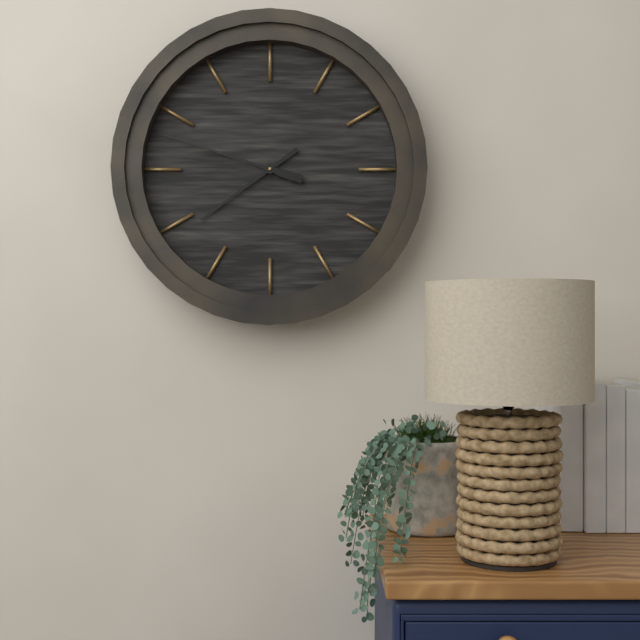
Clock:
7 h 48 min
